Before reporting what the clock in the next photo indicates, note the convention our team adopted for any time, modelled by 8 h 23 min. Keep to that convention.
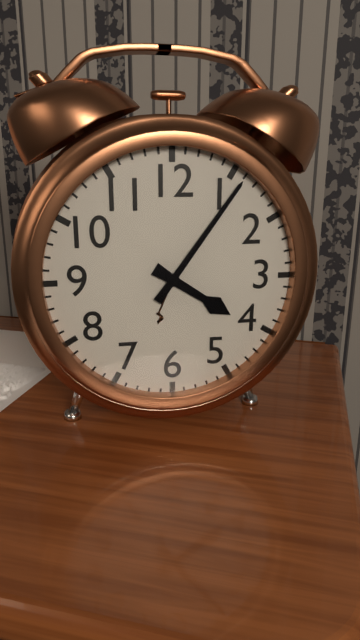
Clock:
4 h 06 min
